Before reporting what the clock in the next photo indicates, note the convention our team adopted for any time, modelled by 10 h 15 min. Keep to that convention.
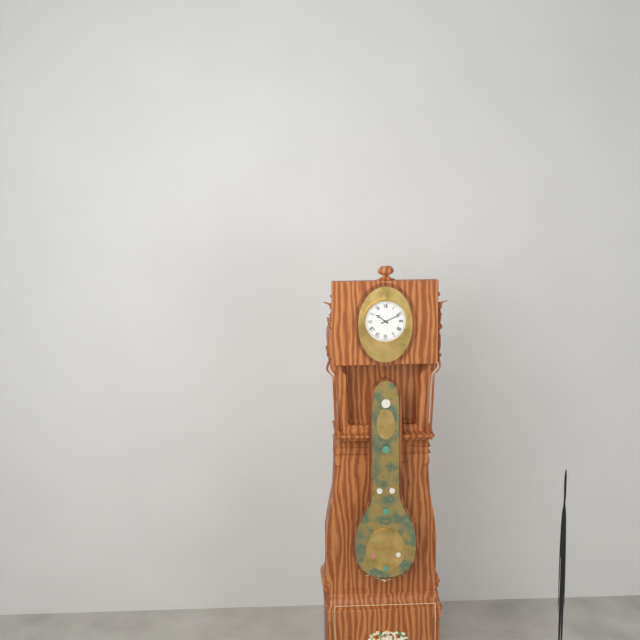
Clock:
10 h 11 min
